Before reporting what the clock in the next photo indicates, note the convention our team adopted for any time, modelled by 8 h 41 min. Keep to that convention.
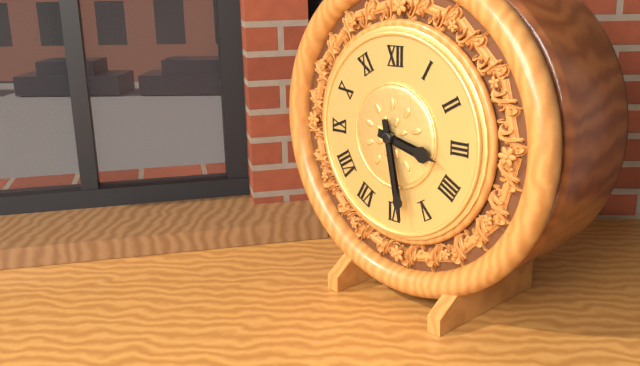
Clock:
3 h 28 min
